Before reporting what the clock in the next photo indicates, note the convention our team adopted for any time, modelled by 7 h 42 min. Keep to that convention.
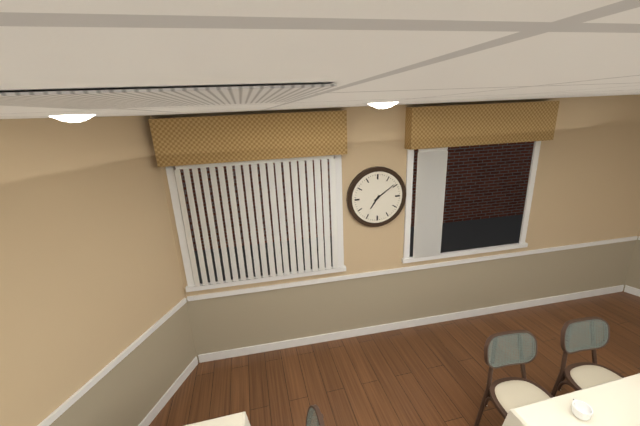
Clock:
7 h 09 min
